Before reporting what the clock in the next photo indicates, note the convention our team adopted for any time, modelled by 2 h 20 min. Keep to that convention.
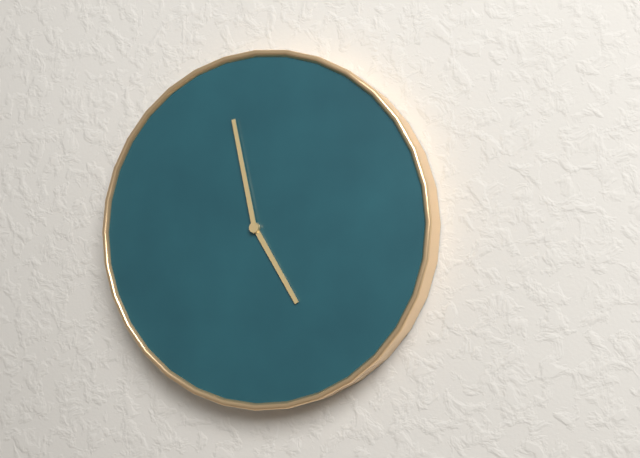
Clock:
4 h 58 min
